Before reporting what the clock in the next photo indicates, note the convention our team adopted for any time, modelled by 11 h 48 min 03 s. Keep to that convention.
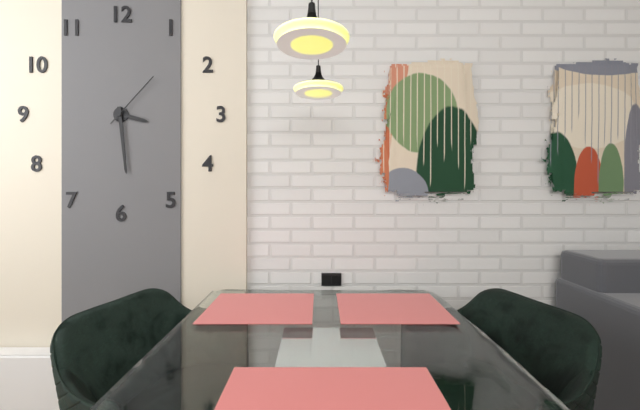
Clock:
3 h 29 min 07 s
